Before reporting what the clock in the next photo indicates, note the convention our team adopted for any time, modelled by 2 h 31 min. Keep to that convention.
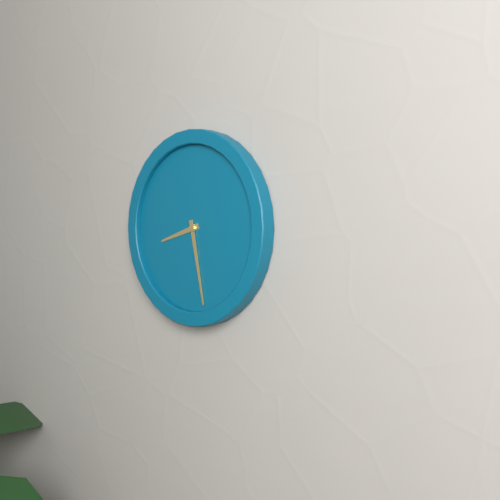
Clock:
8 h 28 min
